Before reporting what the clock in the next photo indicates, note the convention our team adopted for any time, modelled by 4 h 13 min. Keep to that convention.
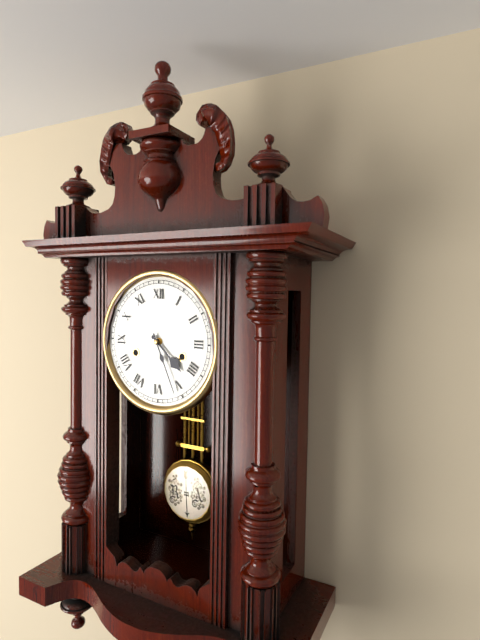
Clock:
4 h 26 min
